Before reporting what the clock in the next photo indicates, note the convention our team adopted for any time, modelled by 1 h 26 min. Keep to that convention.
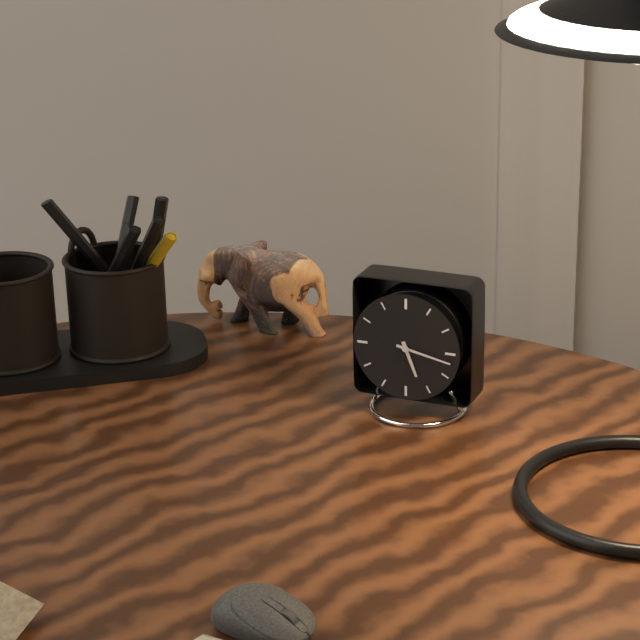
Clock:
5 h 17 min
